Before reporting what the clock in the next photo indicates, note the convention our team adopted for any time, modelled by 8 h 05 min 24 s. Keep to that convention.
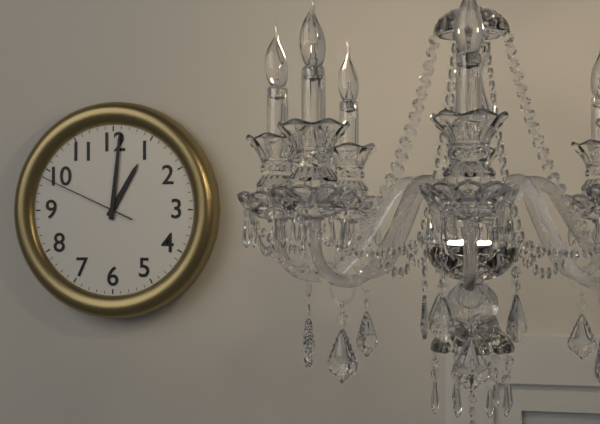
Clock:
1 h 01 min 49 s
